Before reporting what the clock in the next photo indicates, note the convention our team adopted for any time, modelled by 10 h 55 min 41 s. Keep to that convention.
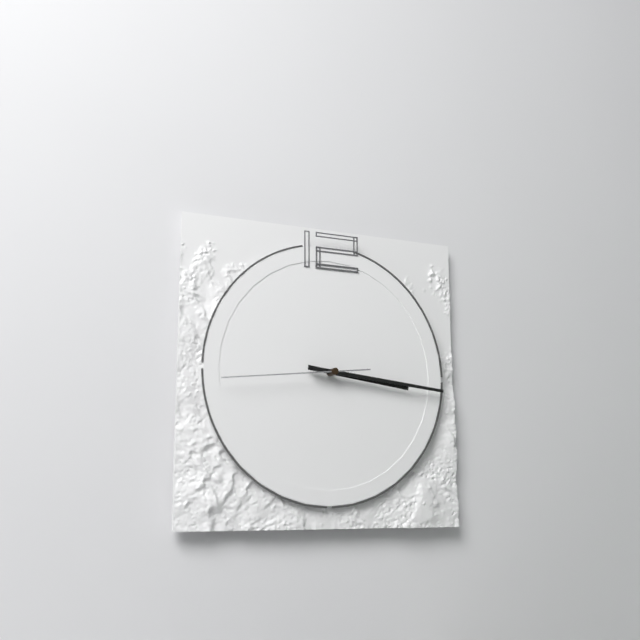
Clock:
3 h 16 min 44 s
